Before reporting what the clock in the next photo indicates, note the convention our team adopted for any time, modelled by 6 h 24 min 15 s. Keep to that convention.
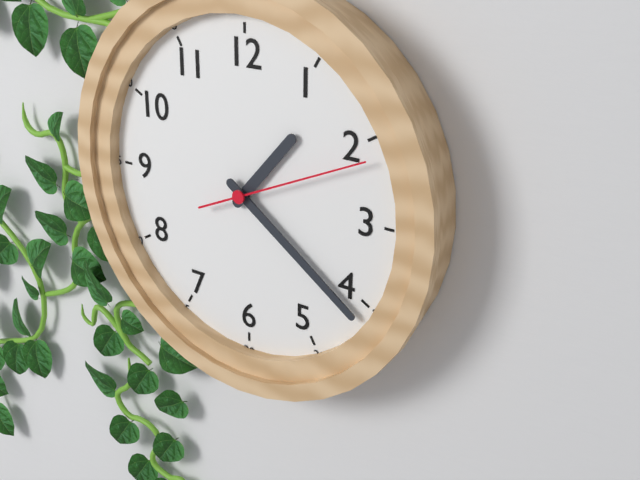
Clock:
1 h 21 min 11 s
